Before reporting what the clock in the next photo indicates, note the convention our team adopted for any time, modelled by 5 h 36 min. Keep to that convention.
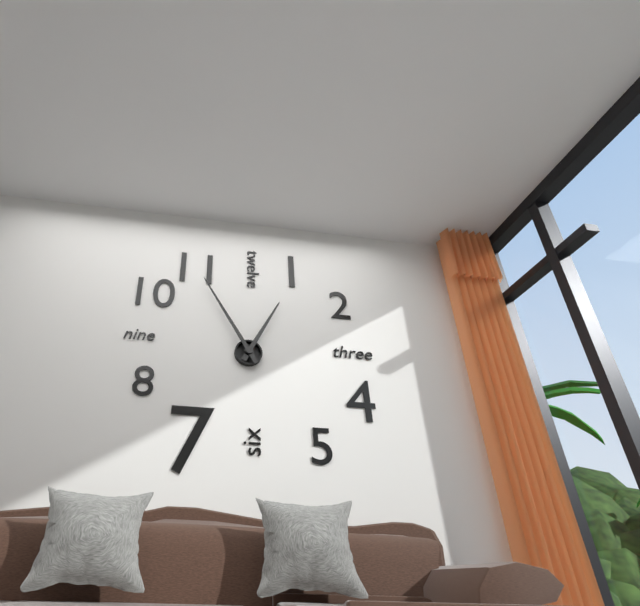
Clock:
12 h 55 min
